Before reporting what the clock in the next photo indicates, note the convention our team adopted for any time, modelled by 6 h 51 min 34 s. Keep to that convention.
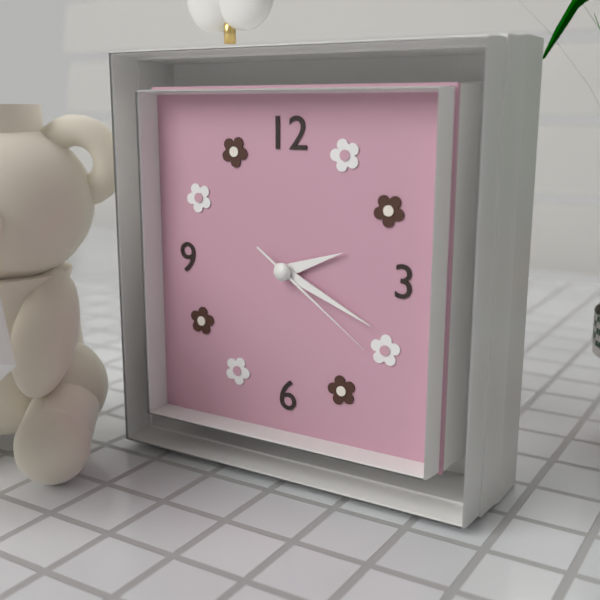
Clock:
2 h 19 min 21 s
